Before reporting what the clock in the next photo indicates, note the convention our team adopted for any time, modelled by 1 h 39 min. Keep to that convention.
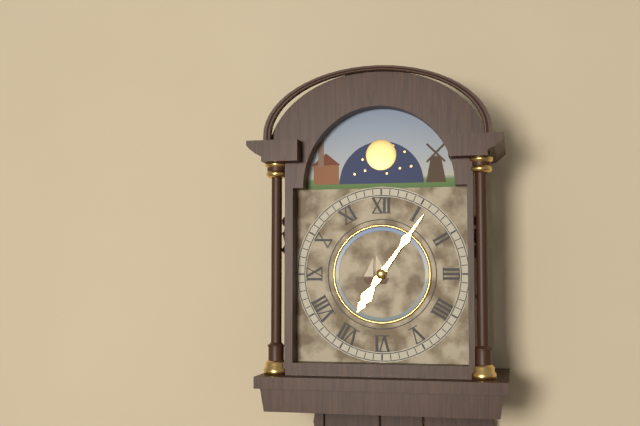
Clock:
7 h 06 min
